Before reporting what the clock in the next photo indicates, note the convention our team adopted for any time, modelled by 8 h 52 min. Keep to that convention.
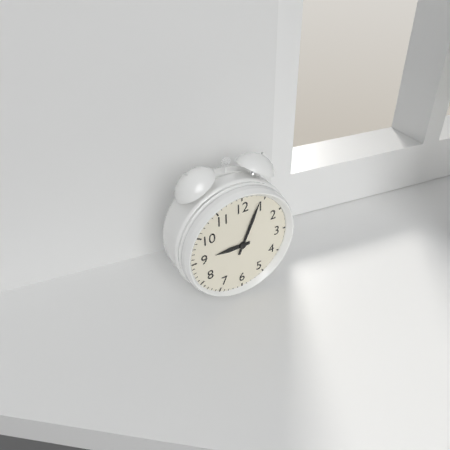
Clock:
9 h 04 min
